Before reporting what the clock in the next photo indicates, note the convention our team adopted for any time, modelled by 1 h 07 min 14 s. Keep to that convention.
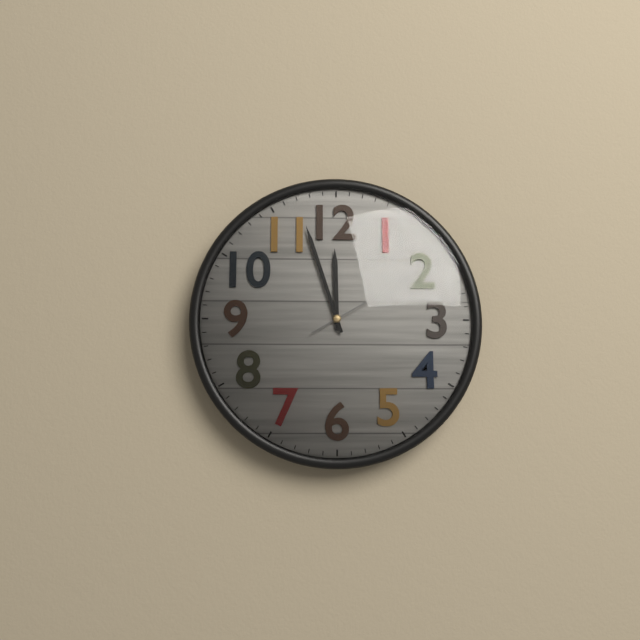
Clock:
11 h 57 min 10 s
